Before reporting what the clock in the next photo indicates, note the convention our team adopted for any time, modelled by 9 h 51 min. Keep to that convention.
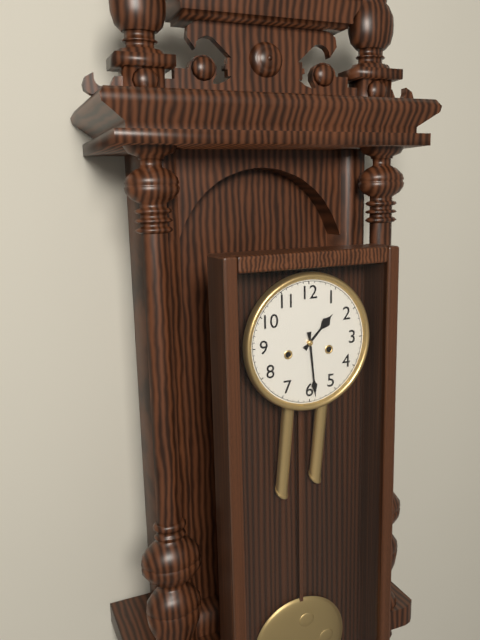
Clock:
1 h 29 min
